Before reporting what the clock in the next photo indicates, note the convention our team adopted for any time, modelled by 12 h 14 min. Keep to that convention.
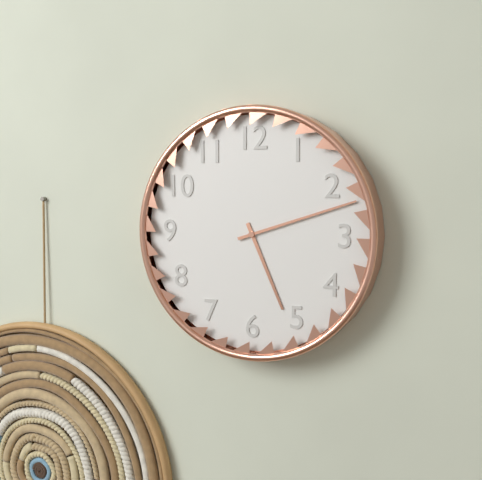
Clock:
5 h 12 min
